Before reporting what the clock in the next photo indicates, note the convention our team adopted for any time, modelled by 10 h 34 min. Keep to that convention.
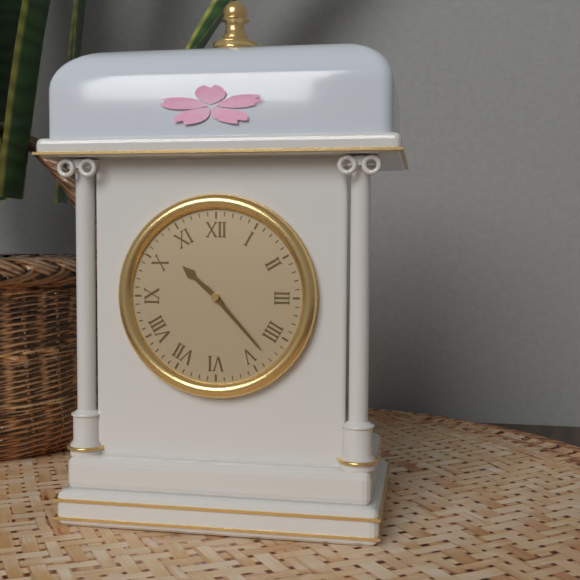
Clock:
10 h 23 min
